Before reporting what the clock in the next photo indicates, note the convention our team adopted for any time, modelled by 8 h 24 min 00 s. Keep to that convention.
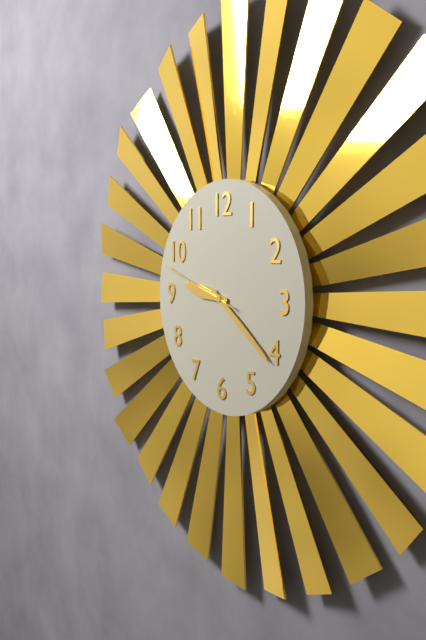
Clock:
9 h 21 min 48 s
